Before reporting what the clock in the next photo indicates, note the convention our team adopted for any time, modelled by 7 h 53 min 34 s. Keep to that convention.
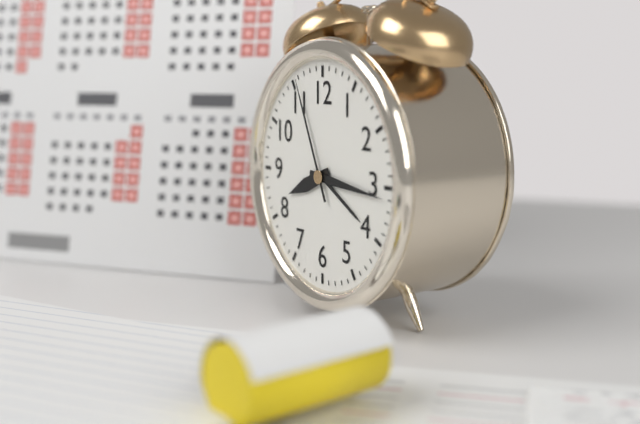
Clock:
8 h 16 min 56 s
